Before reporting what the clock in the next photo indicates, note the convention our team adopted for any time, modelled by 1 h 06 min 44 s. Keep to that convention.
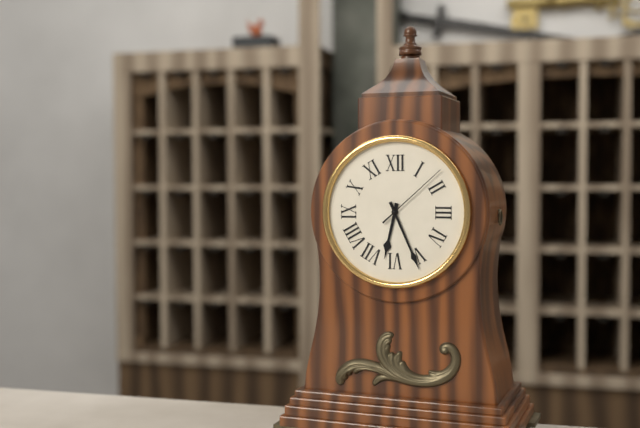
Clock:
6 h 26 min 08 s
